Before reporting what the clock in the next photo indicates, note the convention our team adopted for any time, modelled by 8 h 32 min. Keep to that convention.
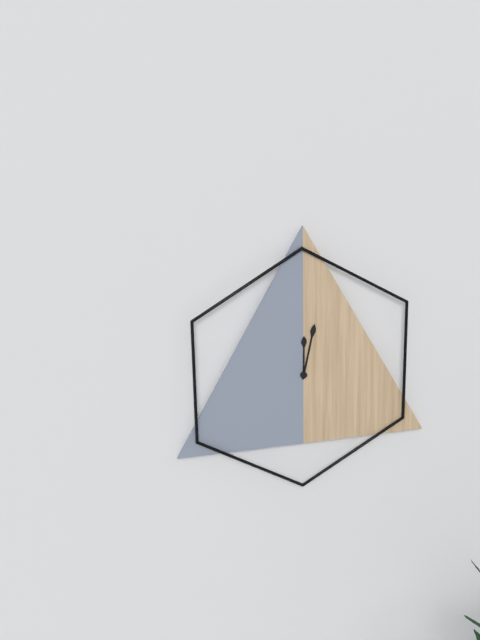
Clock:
12 h 02 min
